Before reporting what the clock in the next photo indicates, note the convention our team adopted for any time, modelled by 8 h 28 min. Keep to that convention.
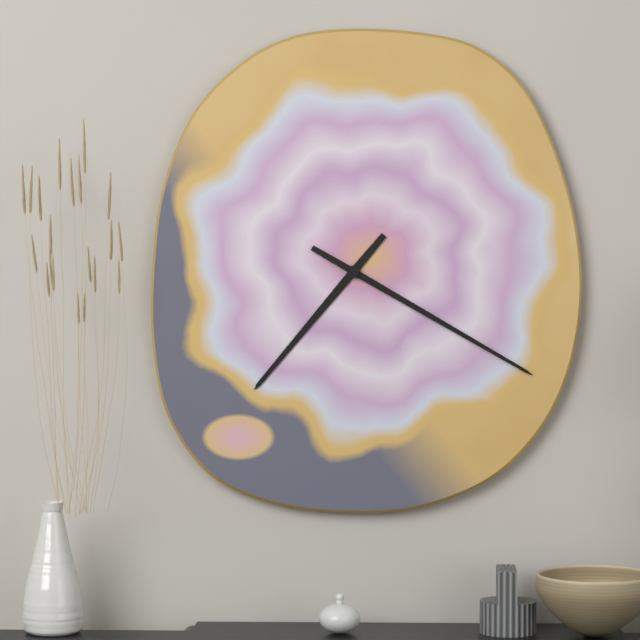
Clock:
7 h 20 min
